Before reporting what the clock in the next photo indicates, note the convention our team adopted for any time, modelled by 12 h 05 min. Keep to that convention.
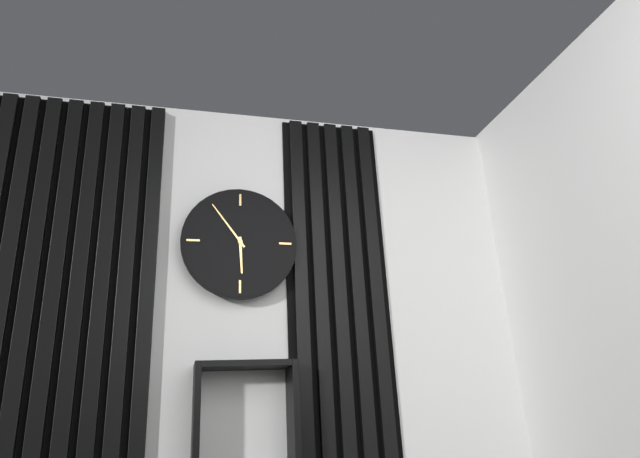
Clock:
5 h 54 min
